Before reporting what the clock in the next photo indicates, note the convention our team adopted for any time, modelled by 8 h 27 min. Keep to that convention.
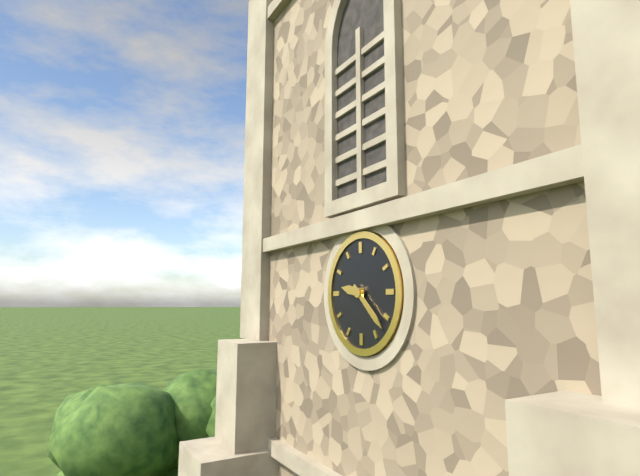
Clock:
9 h 22 min
